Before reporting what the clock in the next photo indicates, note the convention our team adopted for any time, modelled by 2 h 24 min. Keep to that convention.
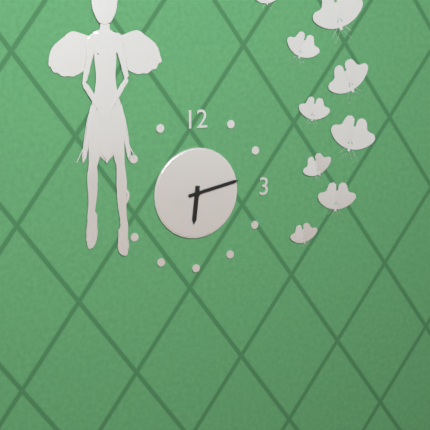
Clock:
6 h 13 min
